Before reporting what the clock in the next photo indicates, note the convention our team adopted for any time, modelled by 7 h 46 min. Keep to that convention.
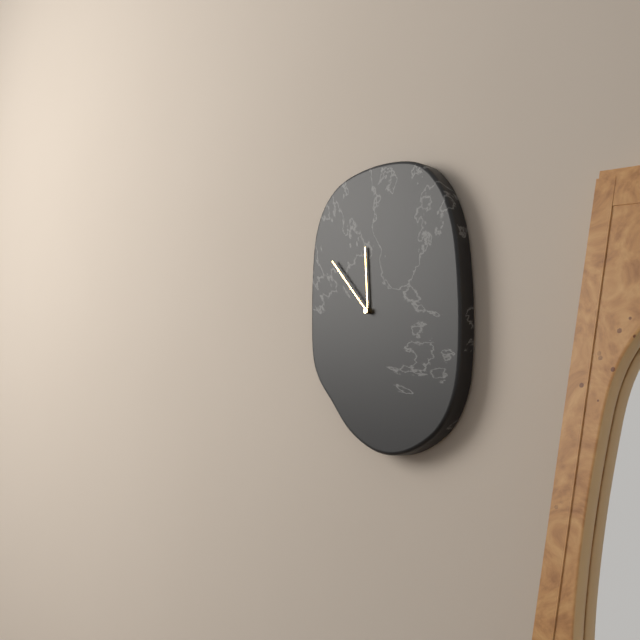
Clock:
11 h 53 min
